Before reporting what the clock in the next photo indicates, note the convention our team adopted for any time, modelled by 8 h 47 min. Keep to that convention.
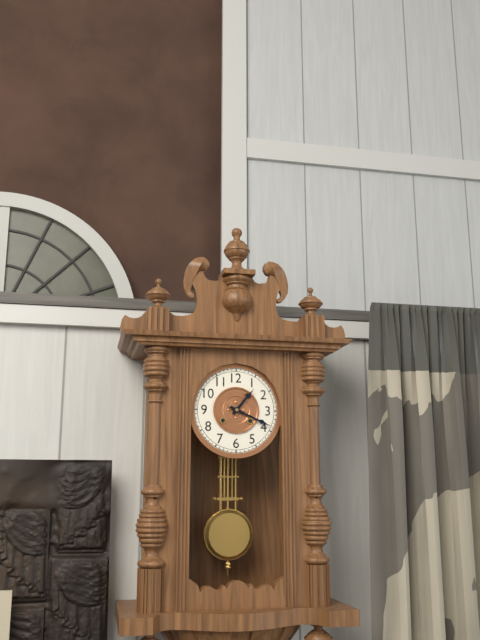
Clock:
1 h 19 min
